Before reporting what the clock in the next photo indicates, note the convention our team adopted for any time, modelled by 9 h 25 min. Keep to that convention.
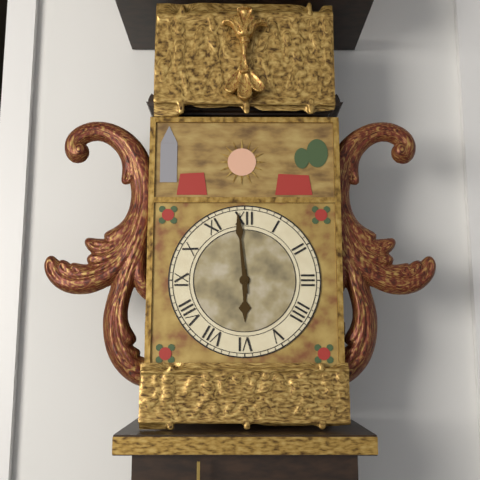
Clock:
5 h 59 min
